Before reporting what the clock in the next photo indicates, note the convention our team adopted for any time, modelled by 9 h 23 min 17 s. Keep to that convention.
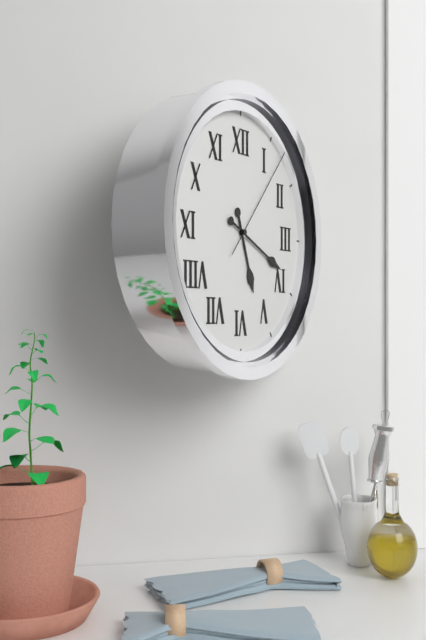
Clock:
5 h 19 min 07 s
